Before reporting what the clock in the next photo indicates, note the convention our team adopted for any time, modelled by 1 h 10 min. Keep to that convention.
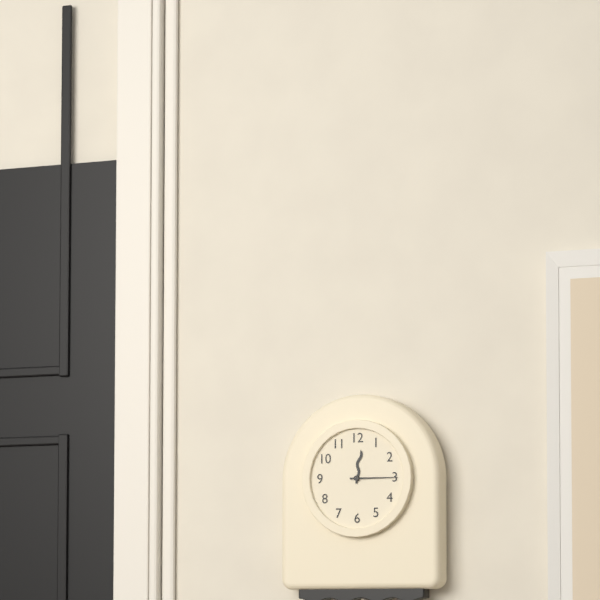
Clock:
12 h 15 min
